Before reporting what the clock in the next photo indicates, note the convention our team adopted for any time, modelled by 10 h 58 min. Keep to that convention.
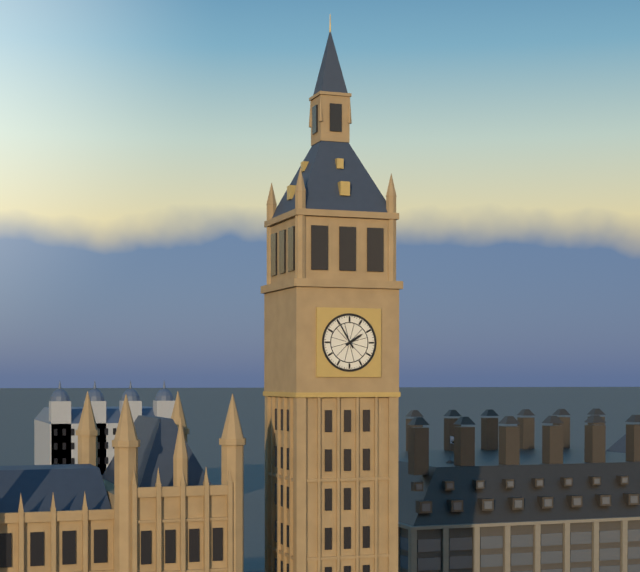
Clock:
1 h 55 min
